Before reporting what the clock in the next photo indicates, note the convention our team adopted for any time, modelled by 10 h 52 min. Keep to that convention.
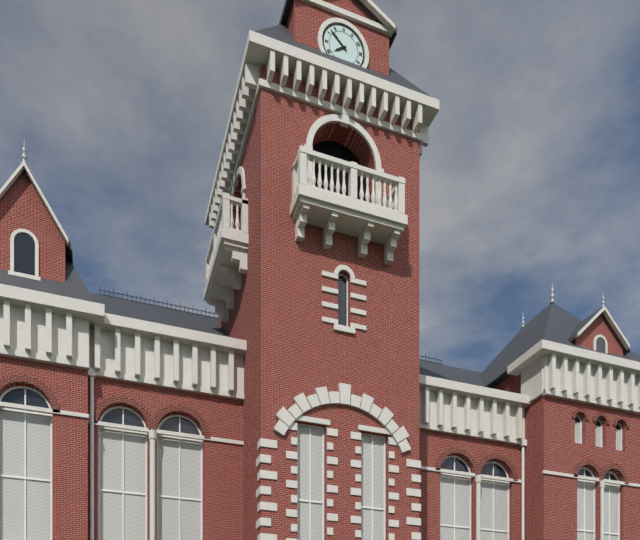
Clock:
7 h 52 min
